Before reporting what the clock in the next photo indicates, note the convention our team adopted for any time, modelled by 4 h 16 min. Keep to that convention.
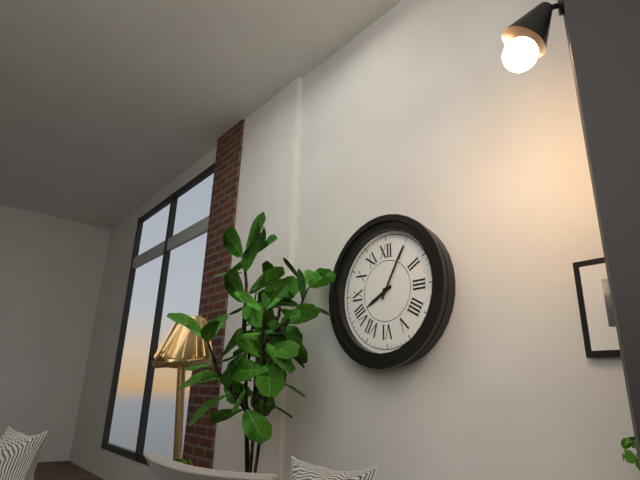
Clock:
8 h 05 min
